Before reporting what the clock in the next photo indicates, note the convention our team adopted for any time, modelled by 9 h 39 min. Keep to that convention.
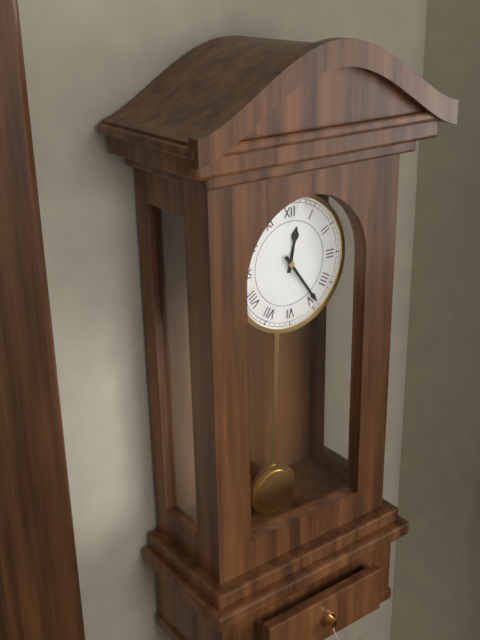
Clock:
12 h 24 min
